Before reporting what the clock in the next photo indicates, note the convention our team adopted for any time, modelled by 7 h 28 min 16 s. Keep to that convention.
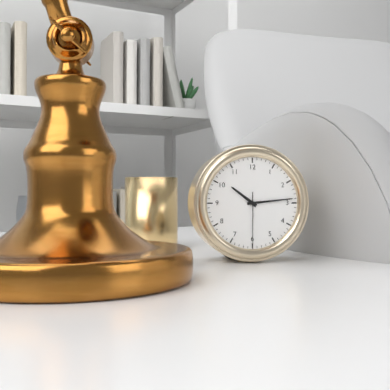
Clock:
10 h 14 min 30 s
